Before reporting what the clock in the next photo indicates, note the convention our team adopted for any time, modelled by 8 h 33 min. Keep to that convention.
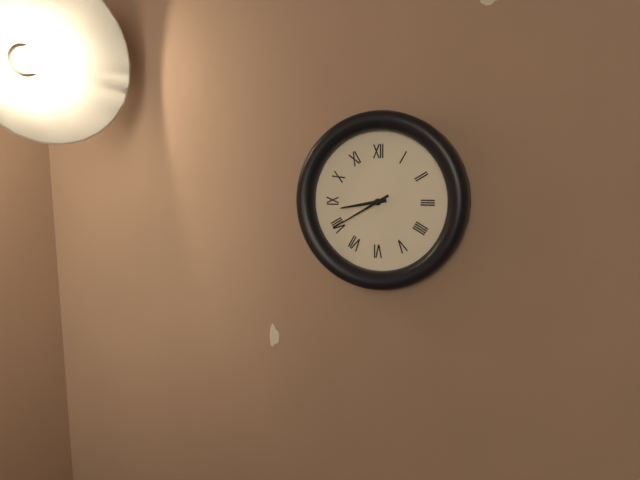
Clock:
8 h 40 min
